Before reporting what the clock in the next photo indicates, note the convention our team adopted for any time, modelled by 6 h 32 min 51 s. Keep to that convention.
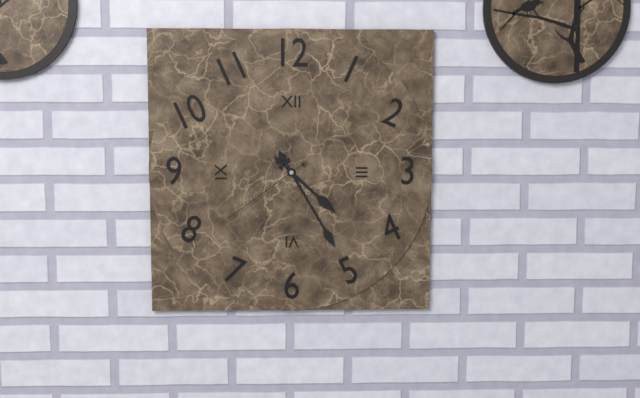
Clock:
4 h 25 min 39 s
